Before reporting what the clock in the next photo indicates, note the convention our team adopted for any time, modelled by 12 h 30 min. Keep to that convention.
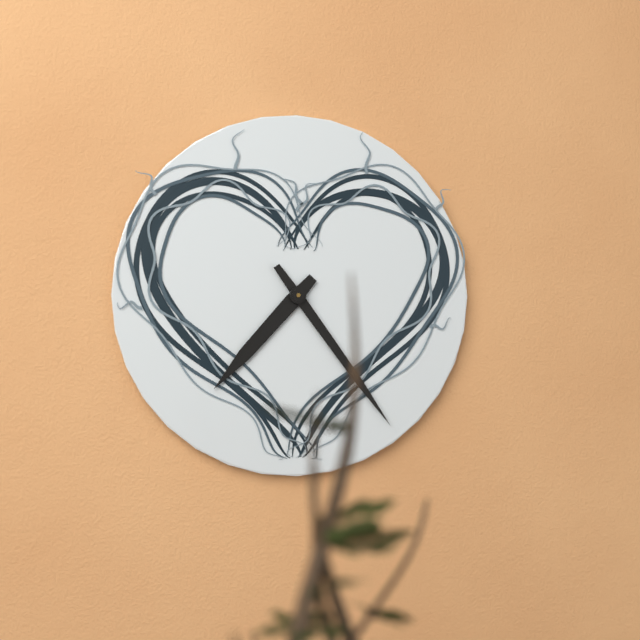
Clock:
7 h 24 min
